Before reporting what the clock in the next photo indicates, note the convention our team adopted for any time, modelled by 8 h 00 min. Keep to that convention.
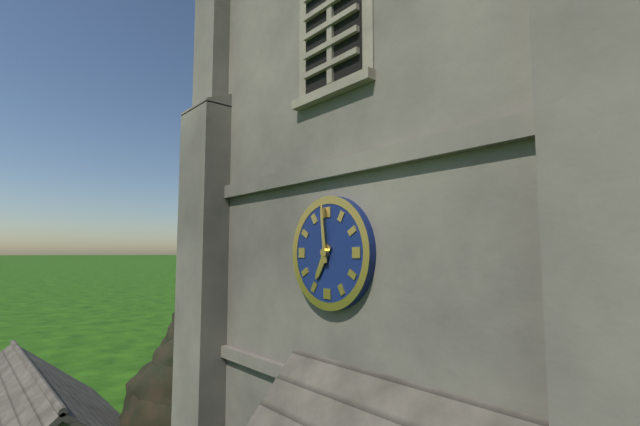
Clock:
6 h 59 min
